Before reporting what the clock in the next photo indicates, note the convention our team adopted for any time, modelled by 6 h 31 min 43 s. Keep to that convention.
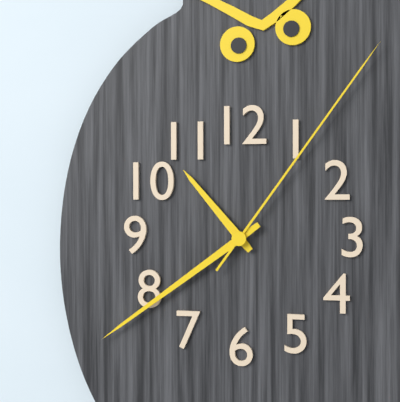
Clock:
10 h 39 min 06 s
